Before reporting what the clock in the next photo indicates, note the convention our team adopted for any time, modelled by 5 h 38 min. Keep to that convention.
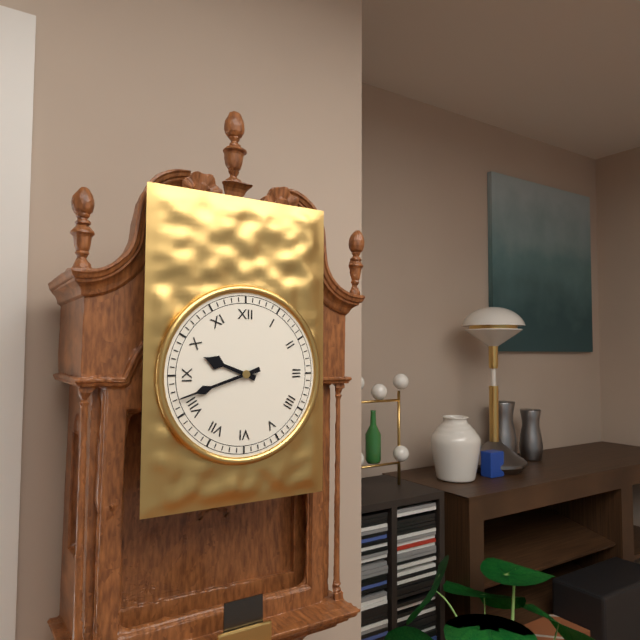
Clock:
9 h 42 min
